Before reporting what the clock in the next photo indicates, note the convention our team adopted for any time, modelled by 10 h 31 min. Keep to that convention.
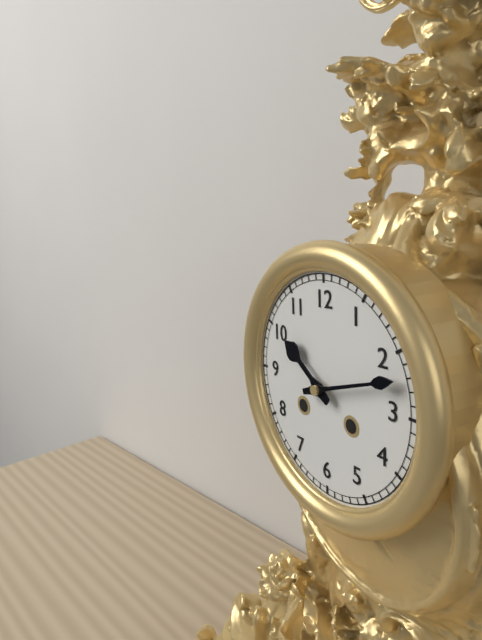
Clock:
10 h 12 min
